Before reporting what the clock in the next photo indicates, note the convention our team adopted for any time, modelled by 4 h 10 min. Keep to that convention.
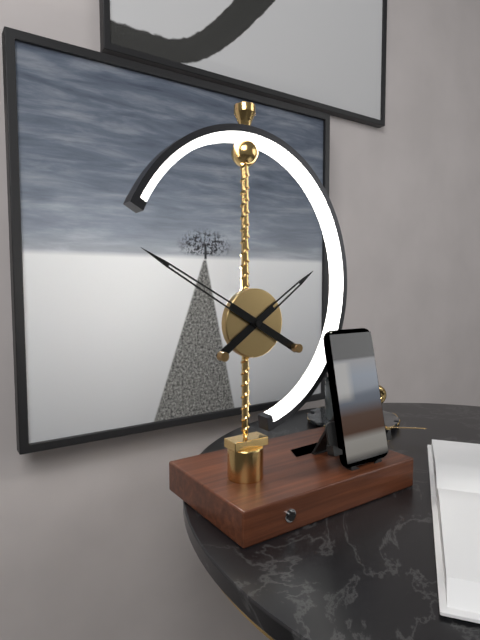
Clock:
1 h 50 min
